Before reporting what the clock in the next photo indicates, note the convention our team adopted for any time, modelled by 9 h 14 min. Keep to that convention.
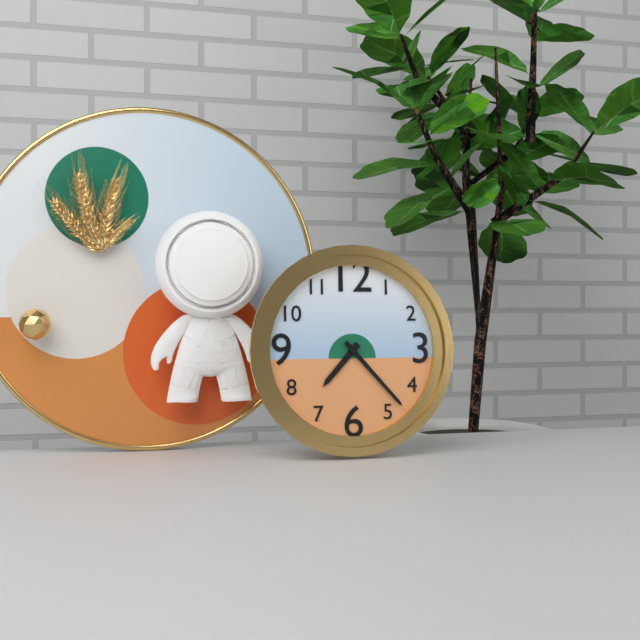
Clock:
7 h 23 min
